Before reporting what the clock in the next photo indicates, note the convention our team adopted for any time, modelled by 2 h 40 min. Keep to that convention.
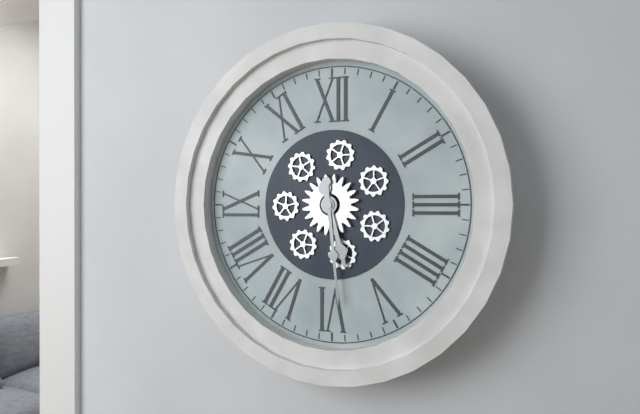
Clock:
5 h 29 min
